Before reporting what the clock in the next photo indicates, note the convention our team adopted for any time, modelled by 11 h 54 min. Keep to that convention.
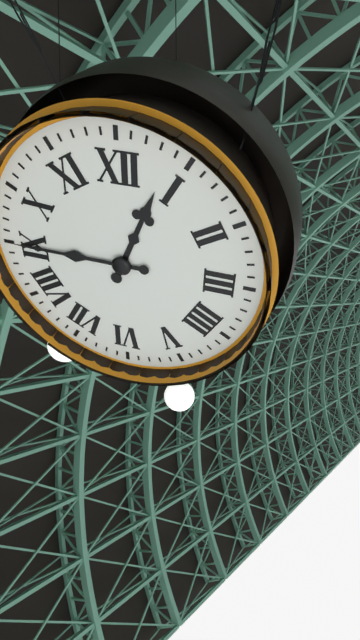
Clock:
12 h 45 min
